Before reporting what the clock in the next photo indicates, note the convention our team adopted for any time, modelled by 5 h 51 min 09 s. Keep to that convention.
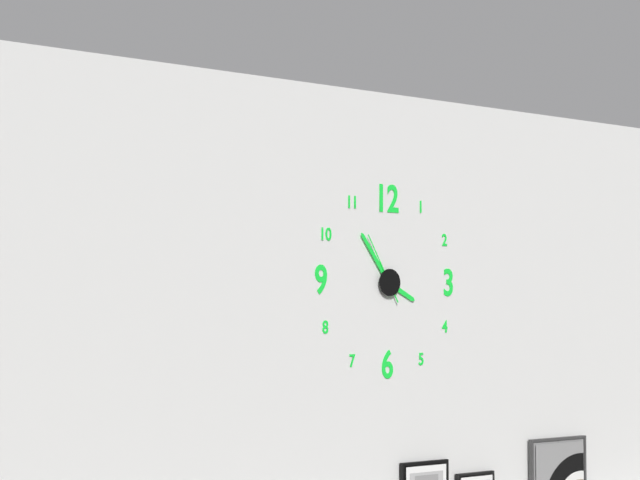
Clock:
3 h 54 min 55 s
